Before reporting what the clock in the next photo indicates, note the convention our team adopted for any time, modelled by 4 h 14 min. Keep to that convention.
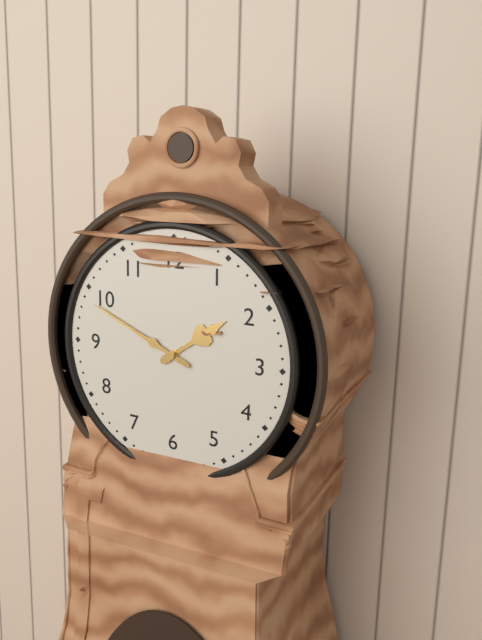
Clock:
1 h 49 min
